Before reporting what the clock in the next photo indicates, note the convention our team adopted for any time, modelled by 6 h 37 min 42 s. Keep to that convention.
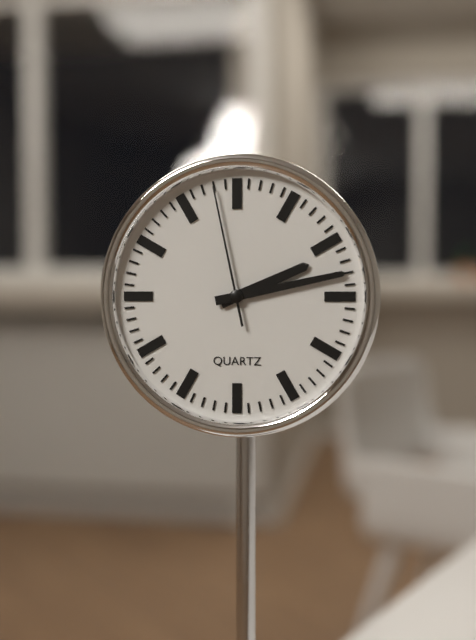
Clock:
2 h 13 min 58 s
